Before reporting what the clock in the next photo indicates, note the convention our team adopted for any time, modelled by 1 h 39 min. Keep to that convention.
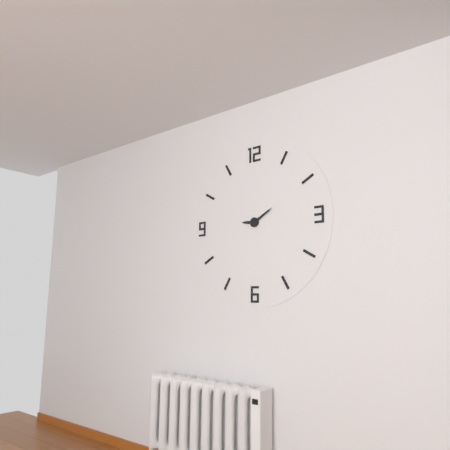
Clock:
9 h 10 min
